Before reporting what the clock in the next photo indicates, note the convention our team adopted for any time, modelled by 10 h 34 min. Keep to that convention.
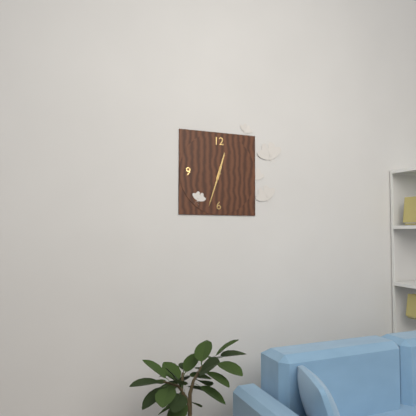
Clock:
12 h 33 min
